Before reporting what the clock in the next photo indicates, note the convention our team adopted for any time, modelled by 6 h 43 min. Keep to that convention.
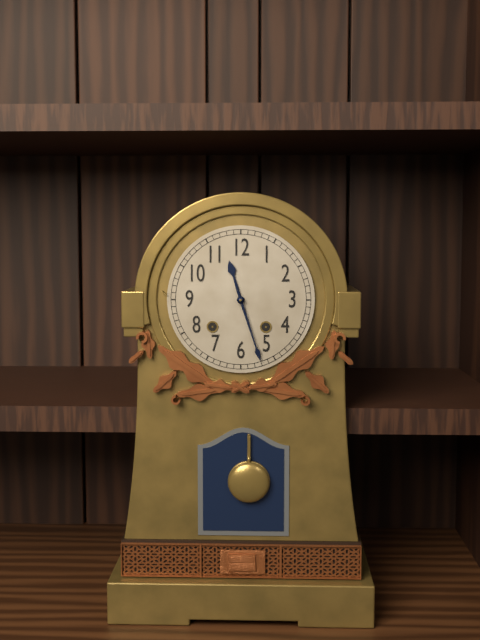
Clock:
11 h 27 min
